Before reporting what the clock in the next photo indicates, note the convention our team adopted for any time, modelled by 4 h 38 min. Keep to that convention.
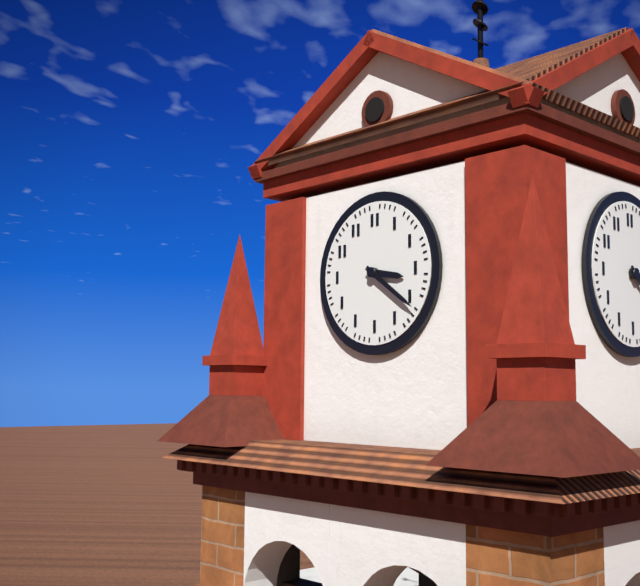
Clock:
3 h 21 min
